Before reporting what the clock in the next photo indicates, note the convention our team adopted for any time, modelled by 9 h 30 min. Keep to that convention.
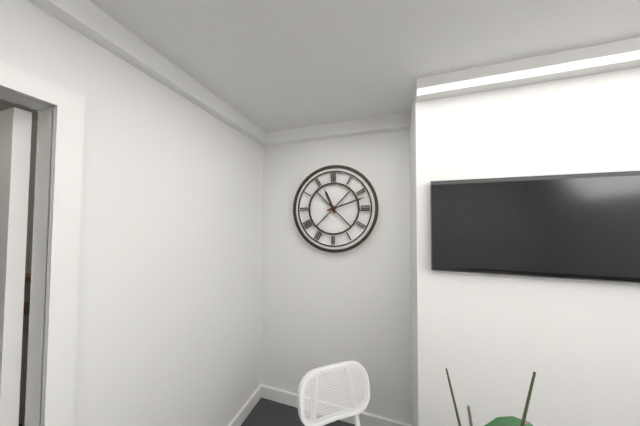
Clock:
11 h 12 min
